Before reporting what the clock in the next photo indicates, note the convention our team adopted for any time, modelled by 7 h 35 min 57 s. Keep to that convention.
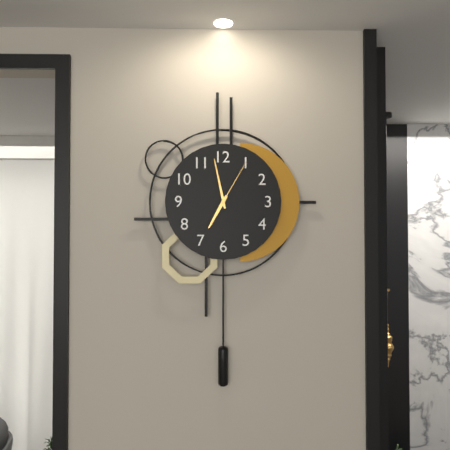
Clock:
6 h 58 min 05 s
